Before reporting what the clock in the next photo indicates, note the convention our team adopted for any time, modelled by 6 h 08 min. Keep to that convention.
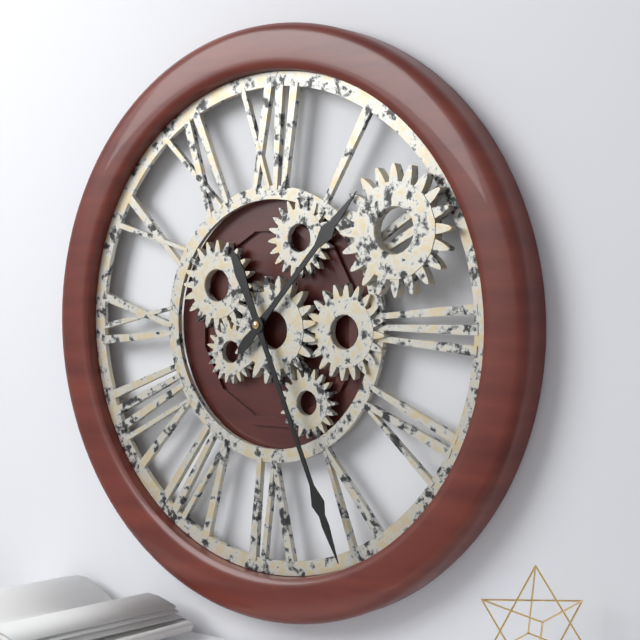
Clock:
1 h 26 min
